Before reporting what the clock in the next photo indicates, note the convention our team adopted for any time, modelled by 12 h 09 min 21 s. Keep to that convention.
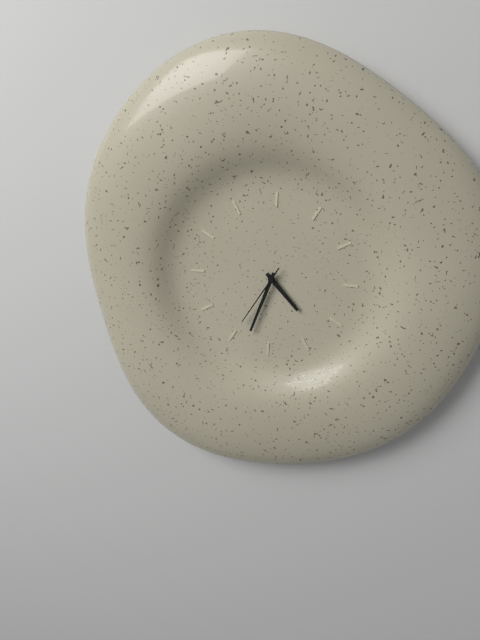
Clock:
4 h 33 min 35 s
